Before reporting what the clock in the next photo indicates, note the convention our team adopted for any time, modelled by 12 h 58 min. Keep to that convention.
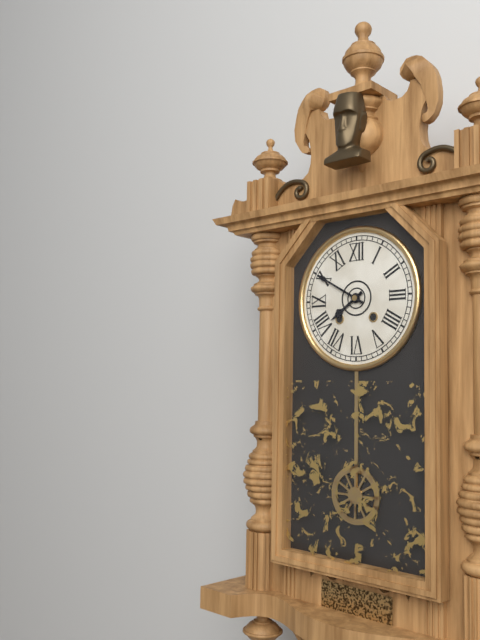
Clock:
7 h 50 min
